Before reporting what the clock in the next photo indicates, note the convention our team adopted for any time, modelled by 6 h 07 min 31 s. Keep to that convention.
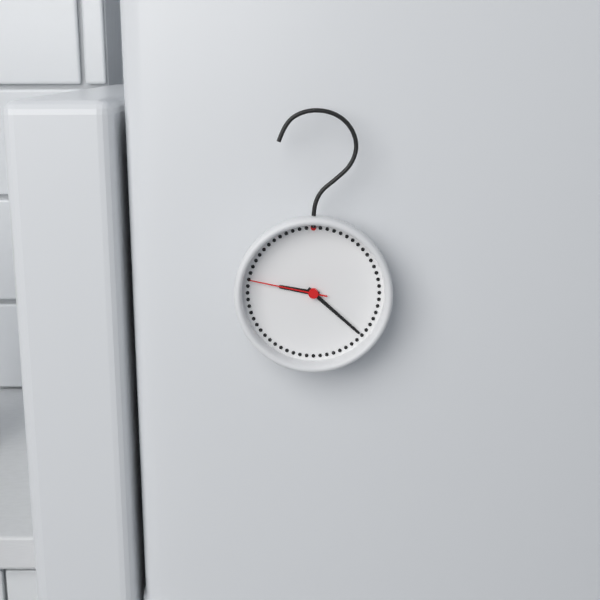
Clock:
9 h 22 min 47 s
